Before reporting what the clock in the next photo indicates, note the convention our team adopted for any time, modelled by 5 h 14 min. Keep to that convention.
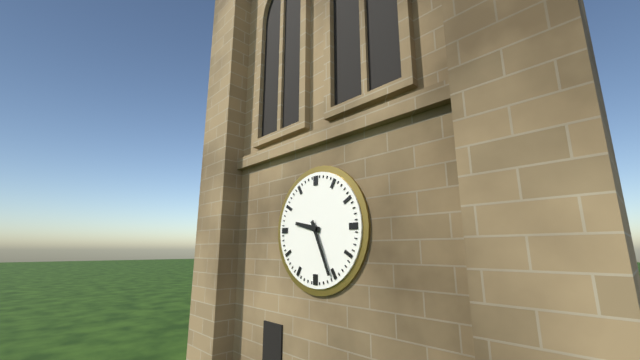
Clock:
9 h 26 min
